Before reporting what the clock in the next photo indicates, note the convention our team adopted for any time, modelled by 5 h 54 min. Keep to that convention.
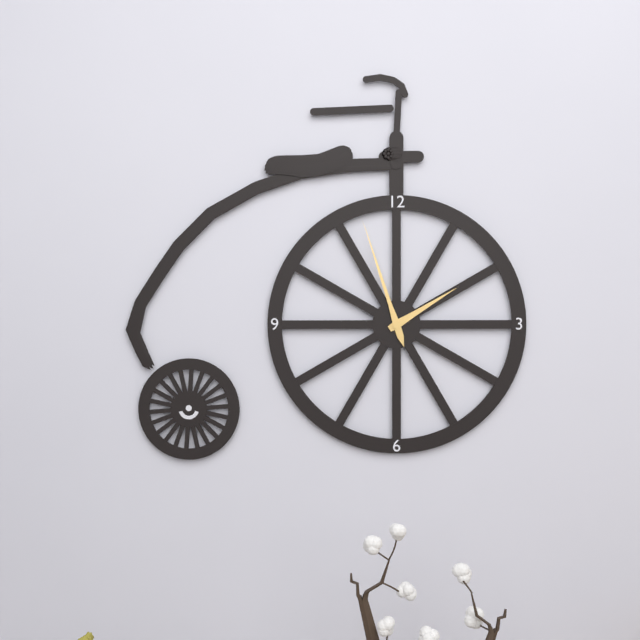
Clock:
1 h 57 min
